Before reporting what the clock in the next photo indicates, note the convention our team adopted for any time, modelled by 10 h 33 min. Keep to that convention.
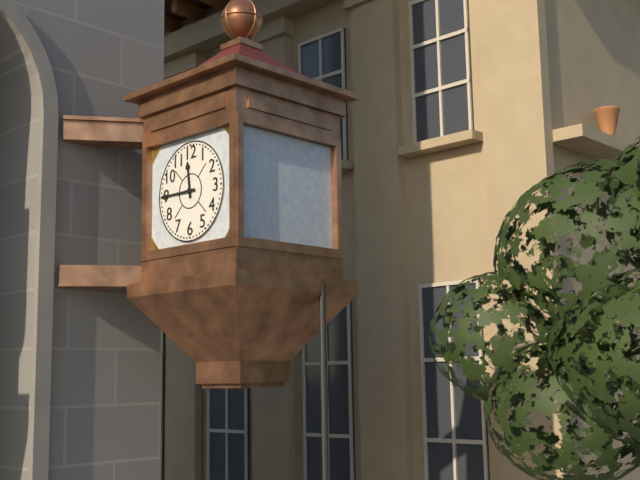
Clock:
11 h 45 min
